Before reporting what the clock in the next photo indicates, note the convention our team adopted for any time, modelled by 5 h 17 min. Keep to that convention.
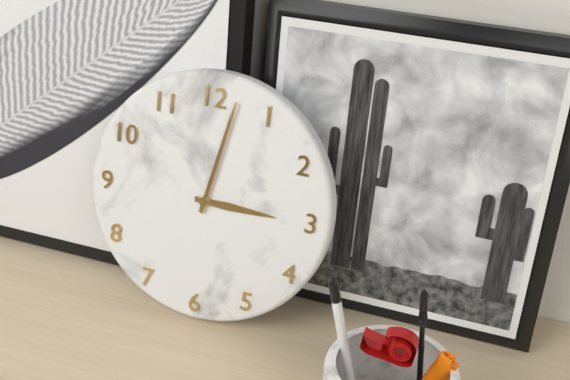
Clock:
3 h 02 min
